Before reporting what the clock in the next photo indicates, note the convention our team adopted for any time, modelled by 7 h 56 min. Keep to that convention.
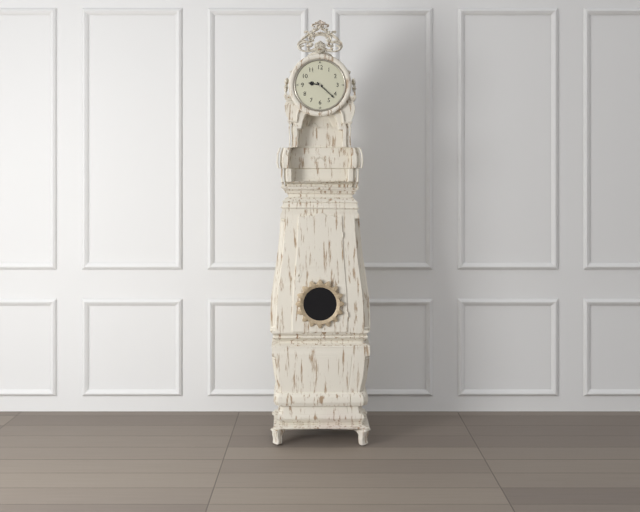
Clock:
9 h 22 min
